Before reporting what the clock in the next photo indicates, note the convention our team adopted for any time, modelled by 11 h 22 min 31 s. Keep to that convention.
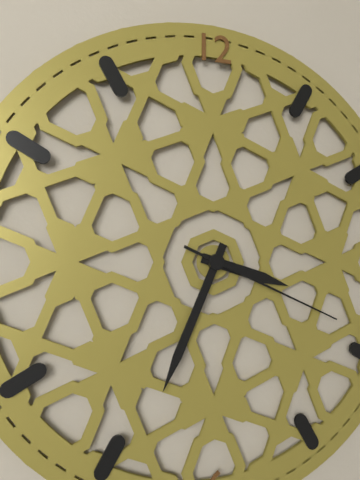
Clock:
3 h 34 min 19 s
